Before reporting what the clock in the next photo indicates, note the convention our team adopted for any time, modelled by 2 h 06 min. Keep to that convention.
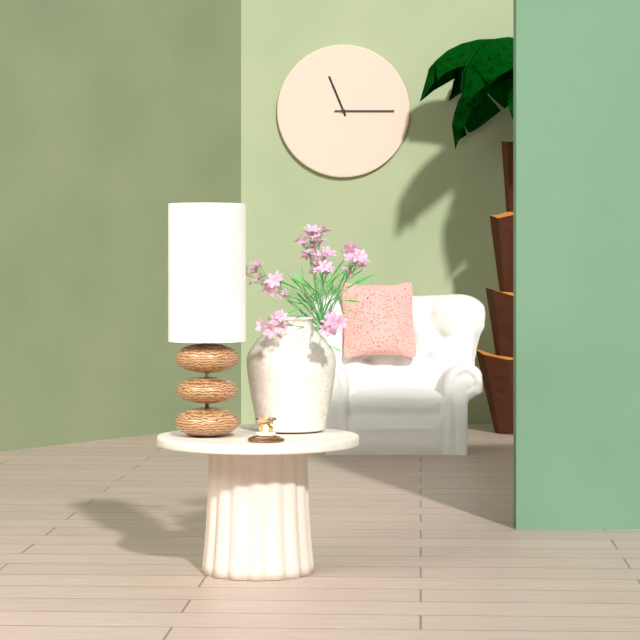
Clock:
11 h 15 min
